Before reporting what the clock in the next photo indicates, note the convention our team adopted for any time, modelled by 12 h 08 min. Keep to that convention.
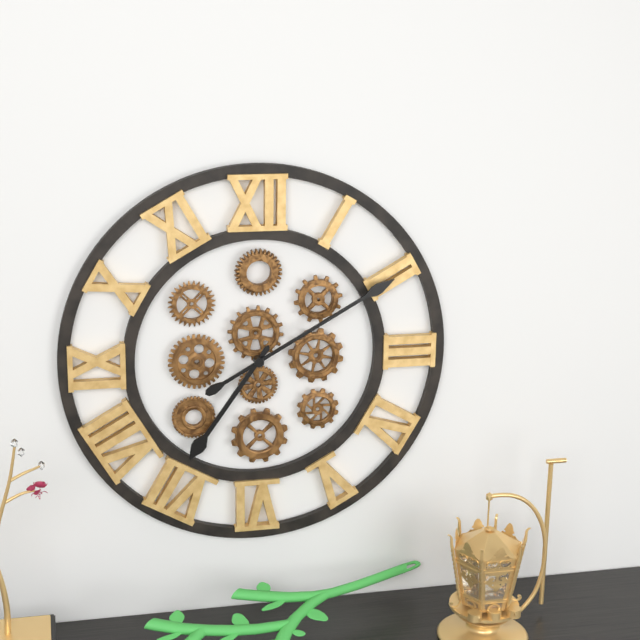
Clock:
7 h 10 min
